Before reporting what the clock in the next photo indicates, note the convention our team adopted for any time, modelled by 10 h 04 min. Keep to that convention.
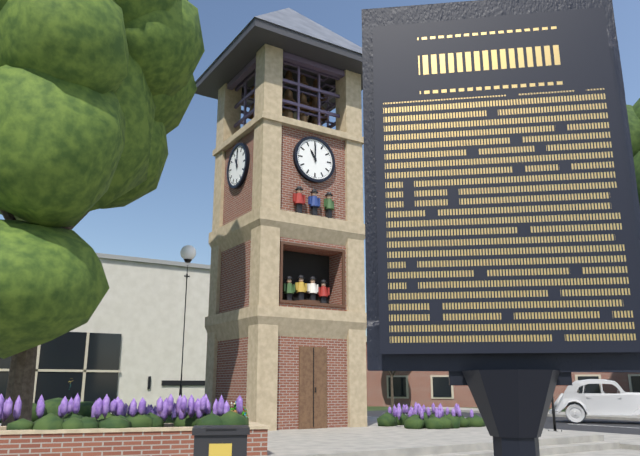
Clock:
11 h 00 min
